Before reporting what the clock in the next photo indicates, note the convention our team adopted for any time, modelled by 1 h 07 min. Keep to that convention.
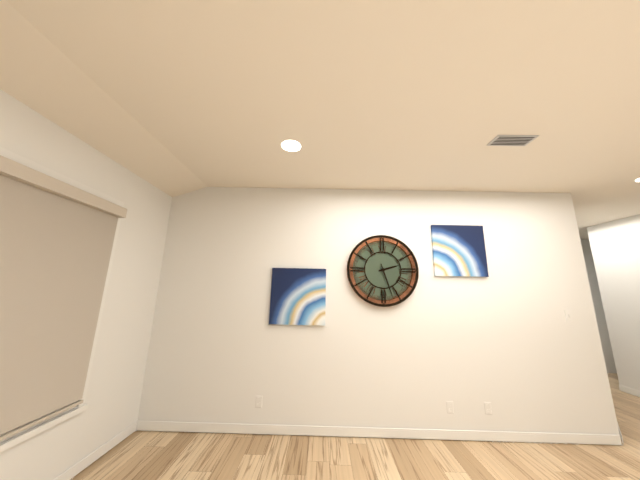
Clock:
2 h 27 min
